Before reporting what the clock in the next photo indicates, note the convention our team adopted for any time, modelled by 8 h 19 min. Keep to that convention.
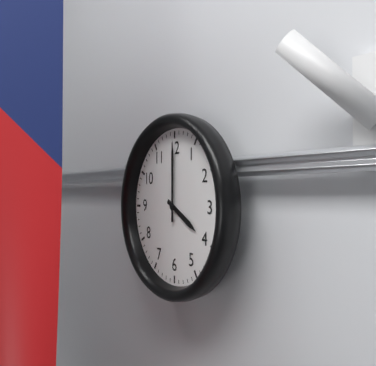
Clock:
4 h 00 min
